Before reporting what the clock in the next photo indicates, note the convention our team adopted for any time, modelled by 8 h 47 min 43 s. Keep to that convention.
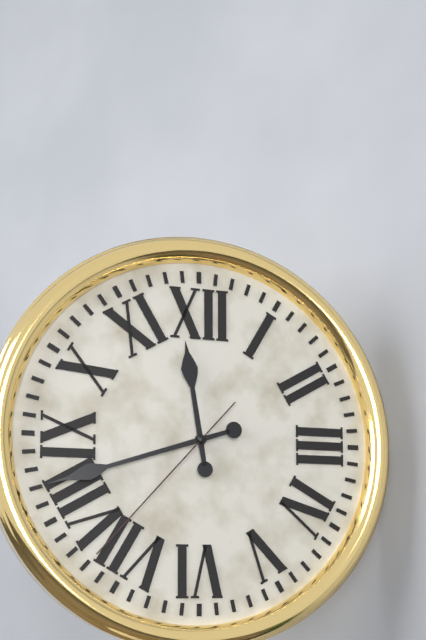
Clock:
11 h 42 min 37 s
